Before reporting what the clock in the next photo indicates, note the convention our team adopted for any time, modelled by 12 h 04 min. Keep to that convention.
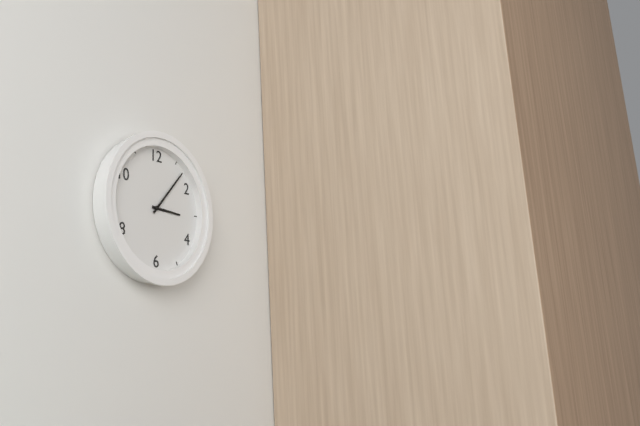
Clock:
3 h 07 min
